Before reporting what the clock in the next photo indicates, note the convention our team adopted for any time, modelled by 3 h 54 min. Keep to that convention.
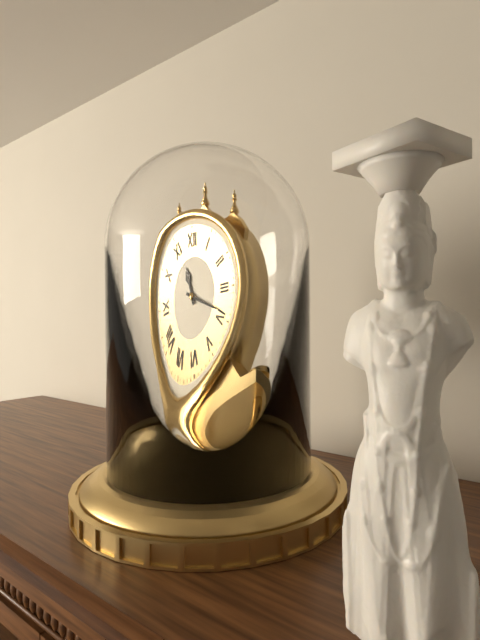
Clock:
11 h 19 min
